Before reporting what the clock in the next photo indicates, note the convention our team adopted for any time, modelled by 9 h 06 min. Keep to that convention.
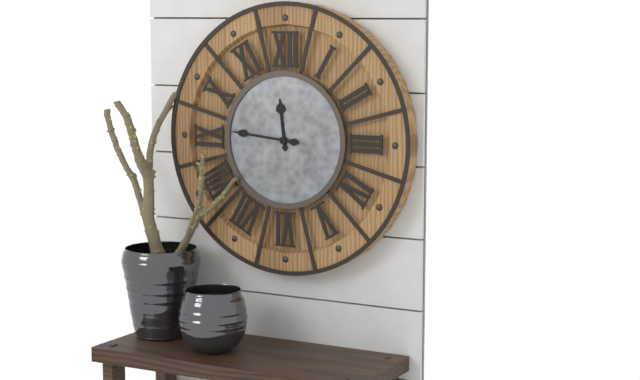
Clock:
11 h 46 min
